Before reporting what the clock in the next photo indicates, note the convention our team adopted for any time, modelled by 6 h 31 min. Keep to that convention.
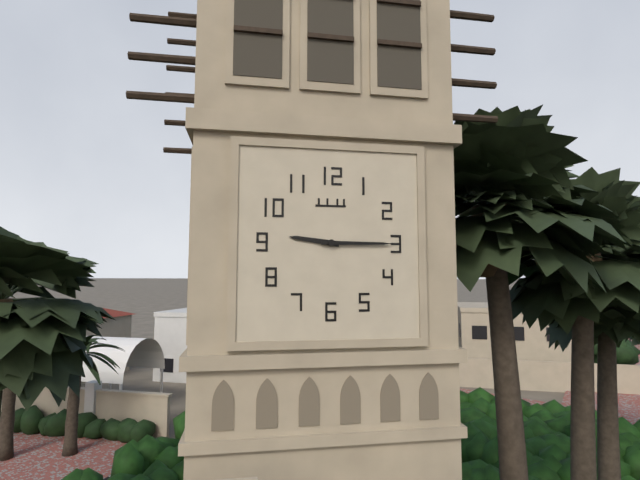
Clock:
9 h 15 min
